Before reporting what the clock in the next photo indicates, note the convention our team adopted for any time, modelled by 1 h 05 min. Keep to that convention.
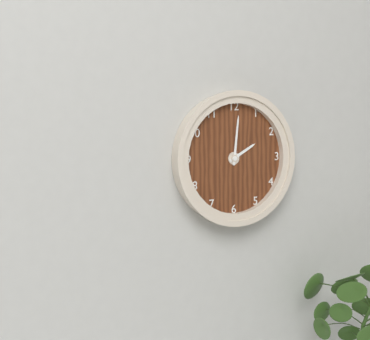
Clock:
2 h 01 min
